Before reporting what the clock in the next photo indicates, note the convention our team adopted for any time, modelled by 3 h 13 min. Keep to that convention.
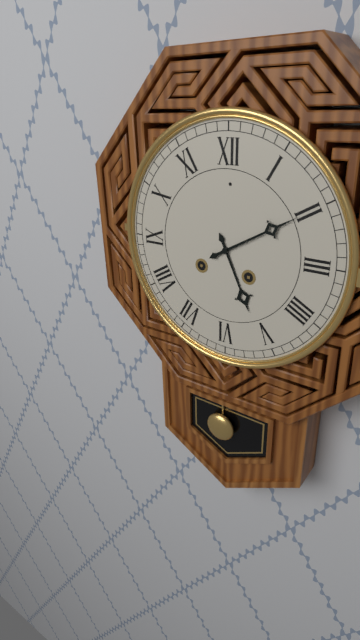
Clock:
5 h 10 min
